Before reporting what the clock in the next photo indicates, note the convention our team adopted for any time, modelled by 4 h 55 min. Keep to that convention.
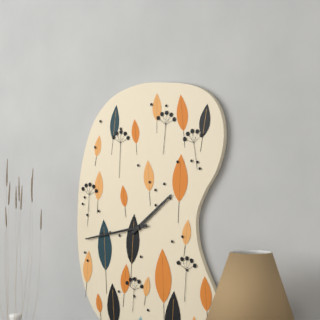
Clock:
1 h 43 min
